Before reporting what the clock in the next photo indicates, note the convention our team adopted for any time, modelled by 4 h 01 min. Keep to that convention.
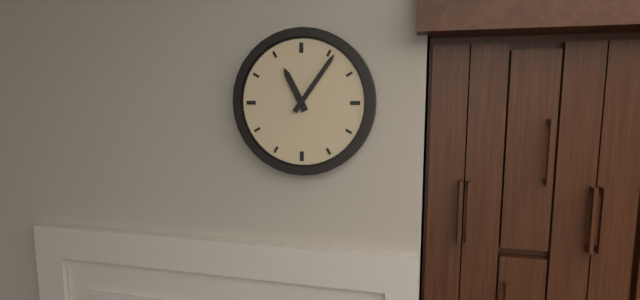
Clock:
11 h 06 min
